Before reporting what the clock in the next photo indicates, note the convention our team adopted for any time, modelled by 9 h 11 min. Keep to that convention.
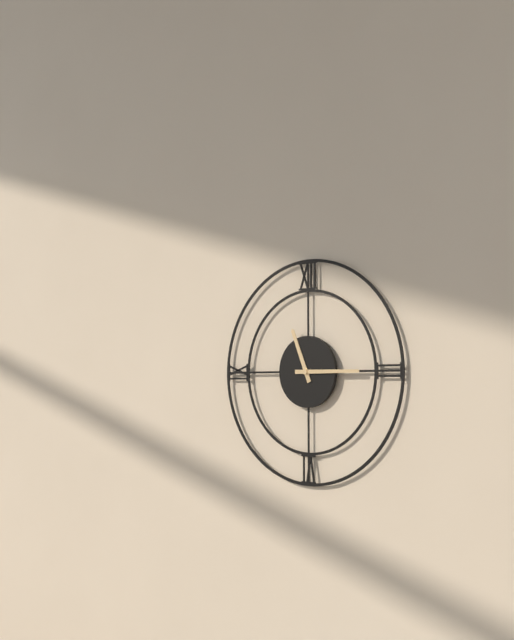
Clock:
11 h 15 min
